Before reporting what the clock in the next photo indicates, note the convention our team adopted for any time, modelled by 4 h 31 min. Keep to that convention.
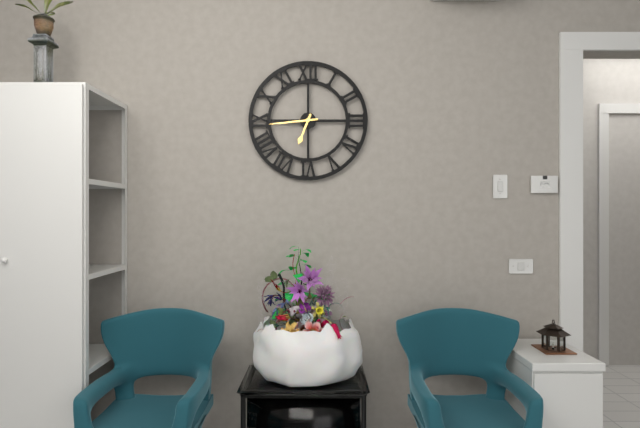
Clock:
6 h 44 min
